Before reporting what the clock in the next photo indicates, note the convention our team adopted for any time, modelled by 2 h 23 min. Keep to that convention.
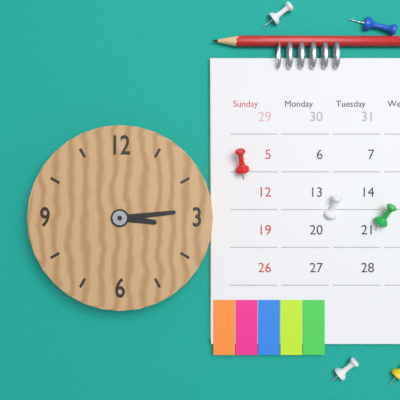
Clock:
3 h 14 min
